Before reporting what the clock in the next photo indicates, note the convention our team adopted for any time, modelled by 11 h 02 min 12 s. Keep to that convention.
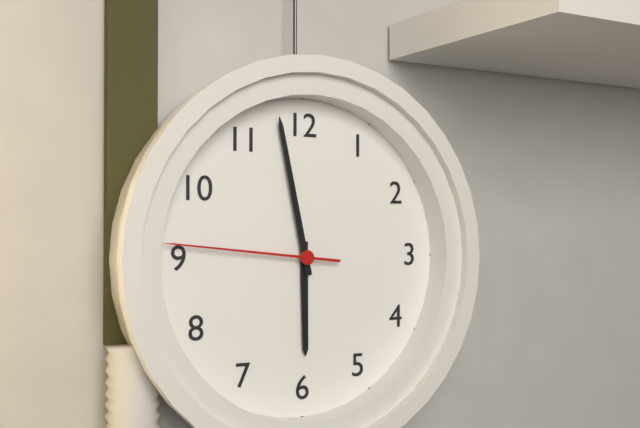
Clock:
5 h 58 min 46 s
